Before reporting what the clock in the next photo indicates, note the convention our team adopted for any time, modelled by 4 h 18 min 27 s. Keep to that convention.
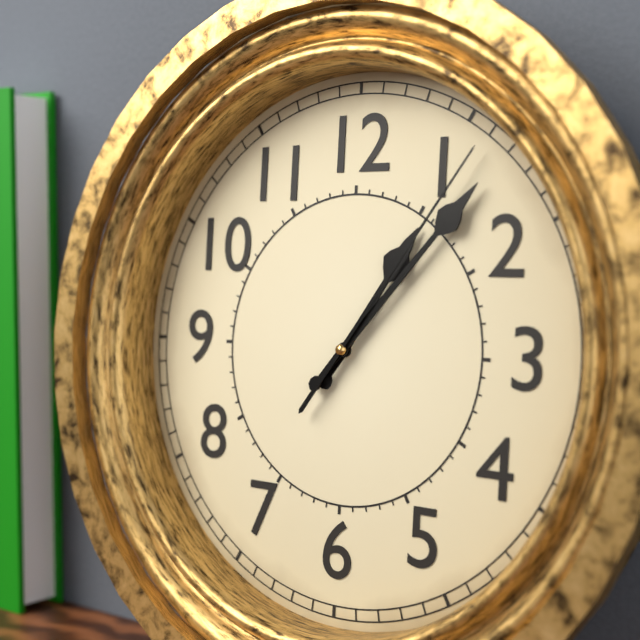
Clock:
1 h 07 min 06 s
